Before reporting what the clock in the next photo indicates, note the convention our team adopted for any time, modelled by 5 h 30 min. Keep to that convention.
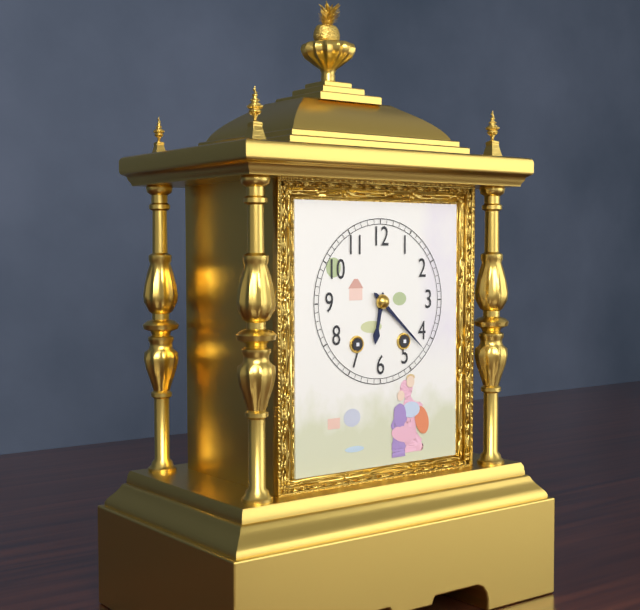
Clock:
6 h 22 min
